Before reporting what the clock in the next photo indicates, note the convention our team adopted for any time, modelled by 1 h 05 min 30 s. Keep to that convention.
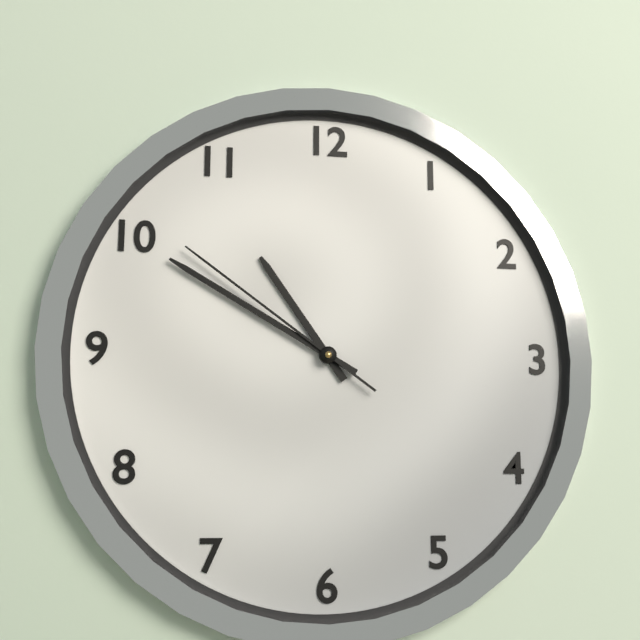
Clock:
10 h 50 min 51 s
